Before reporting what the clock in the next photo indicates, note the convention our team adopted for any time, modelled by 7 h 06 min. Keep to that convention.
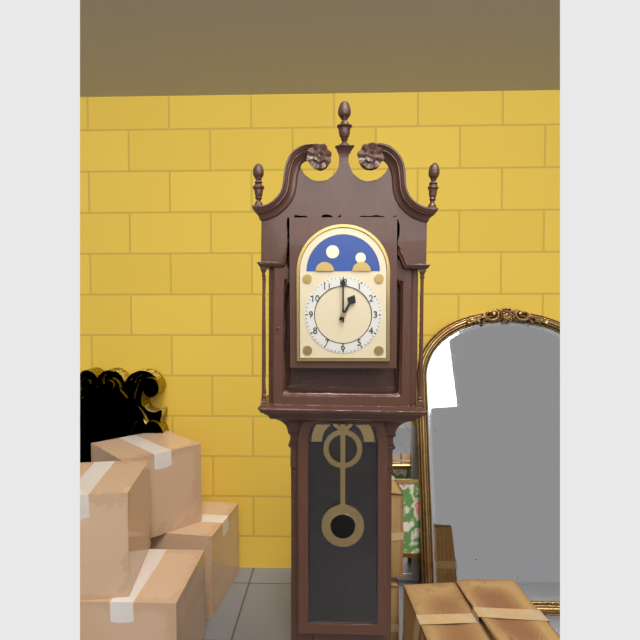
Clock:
1 h 00 min
